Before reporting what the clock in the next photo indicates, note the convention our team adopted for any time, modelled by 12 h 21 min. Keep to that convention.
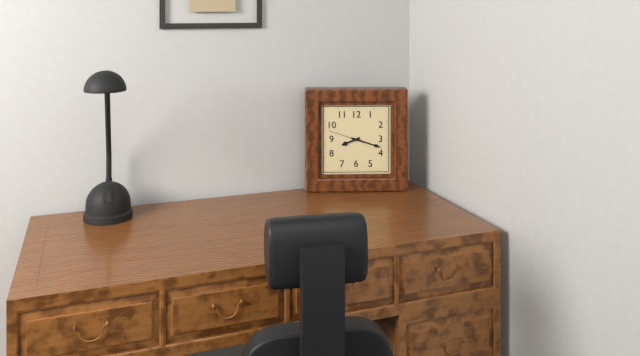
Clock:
8 h 18 min
